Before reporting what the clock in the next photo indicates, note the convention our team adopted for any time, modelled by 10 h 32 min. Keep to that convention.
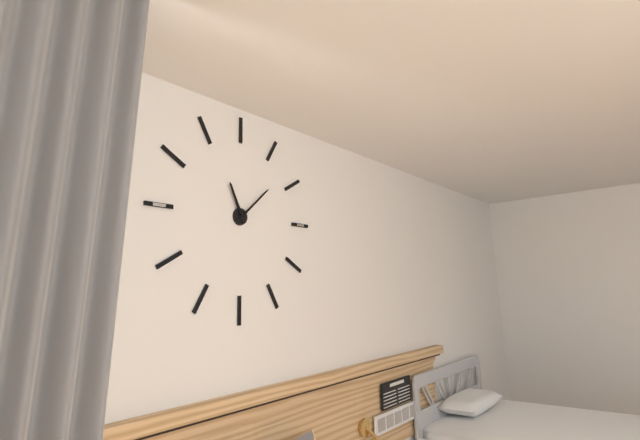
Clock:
11 h 08 min
